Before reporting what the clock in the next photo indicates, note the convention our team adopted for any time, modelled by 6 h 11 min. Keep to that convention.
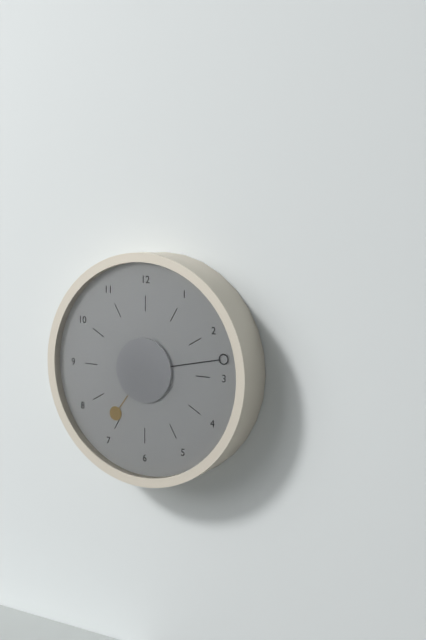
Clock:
7 h 13 min
